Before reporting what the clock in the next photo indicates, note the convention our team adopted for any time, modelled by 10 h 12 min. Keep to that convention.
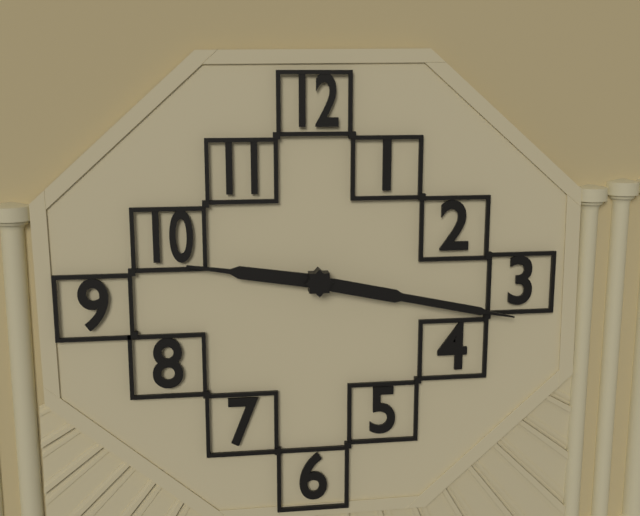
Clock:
9 h 17 min
